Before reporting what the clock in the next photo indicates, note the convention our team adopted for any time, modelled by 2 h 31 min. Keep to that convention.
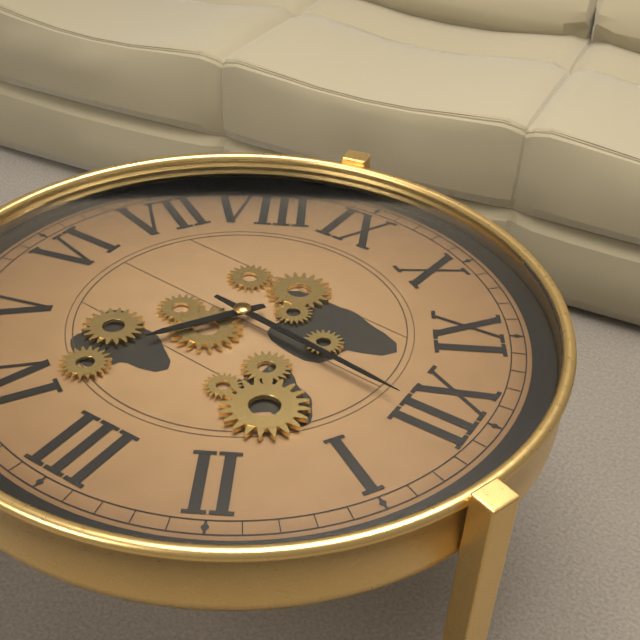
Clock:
4 h 01 min
